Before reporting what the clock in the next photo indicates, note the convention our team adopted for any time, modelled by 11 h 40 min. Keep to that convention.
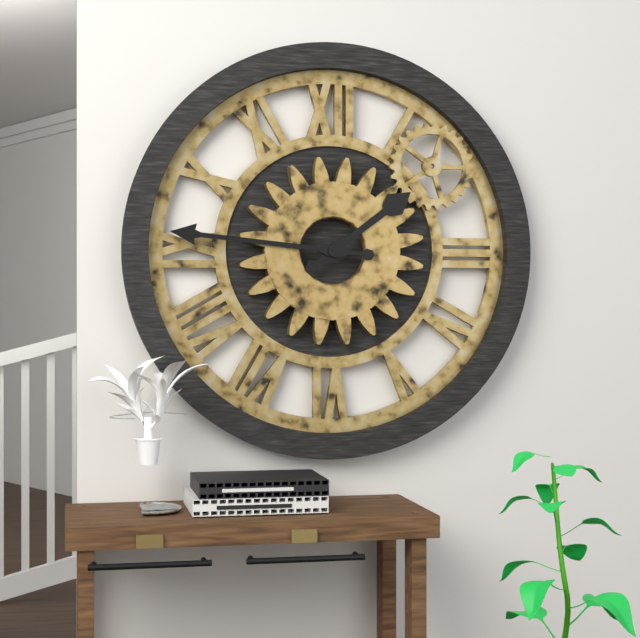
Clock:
1 h 46 min
